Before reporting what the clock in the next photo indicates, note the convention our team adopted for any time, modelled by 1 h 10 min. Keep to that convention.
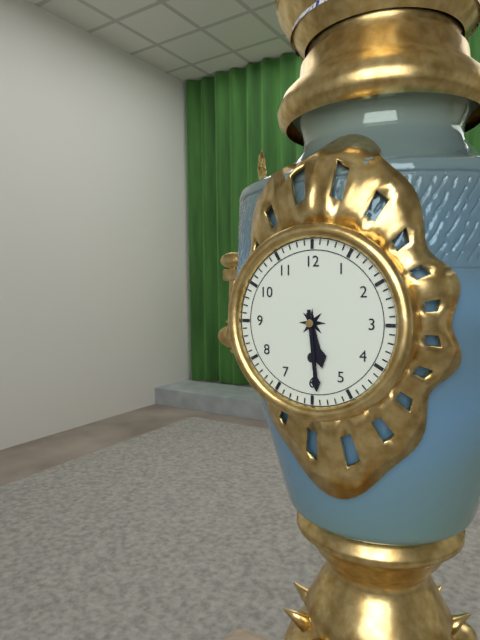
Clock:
5 h 29 min
